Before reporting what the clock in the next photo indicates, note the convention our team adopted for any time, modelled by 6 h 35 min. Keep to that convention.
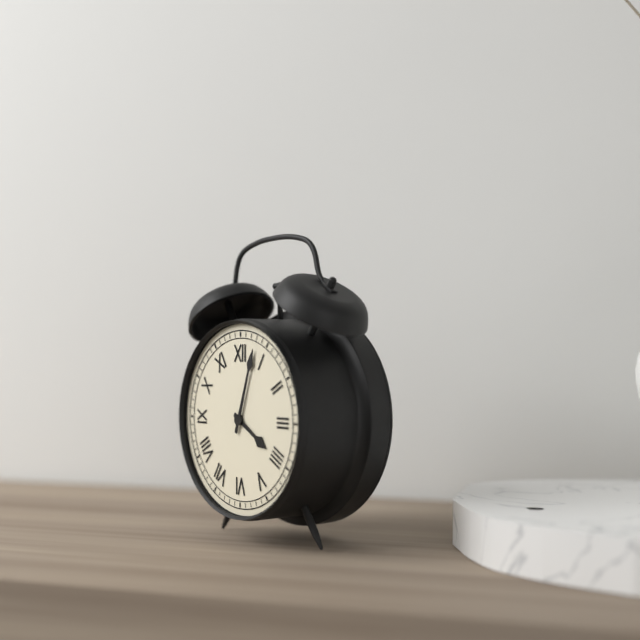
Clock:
4 h 03 min
